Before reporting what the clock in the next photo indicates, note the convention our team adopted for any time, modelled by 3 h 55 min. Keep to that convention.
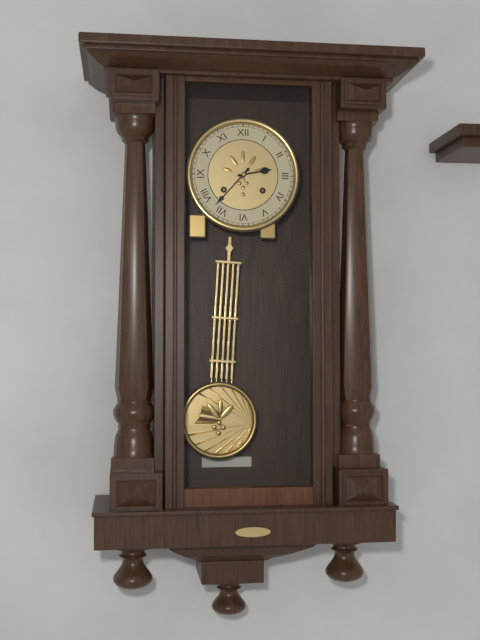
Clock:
2 h 37 min
